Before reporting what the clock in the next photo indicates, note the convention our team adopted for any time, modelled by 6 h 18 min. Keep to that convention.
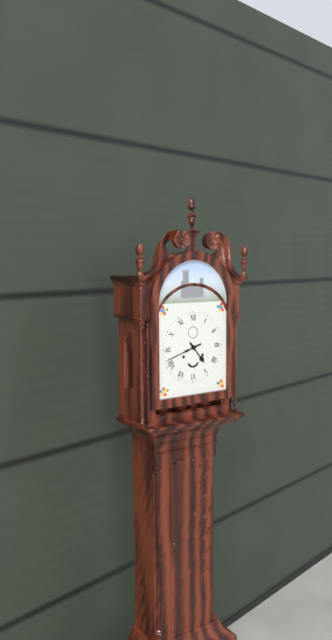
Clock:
4 h 42 min
